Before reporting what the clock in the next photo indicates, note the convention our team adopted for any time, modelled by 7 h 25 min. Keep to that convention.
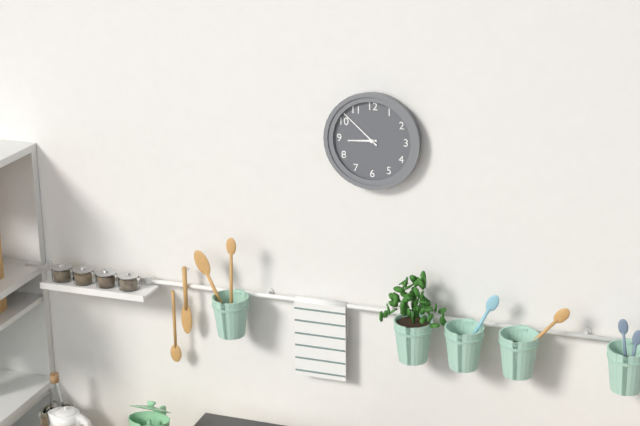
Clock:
8 h 52 min
